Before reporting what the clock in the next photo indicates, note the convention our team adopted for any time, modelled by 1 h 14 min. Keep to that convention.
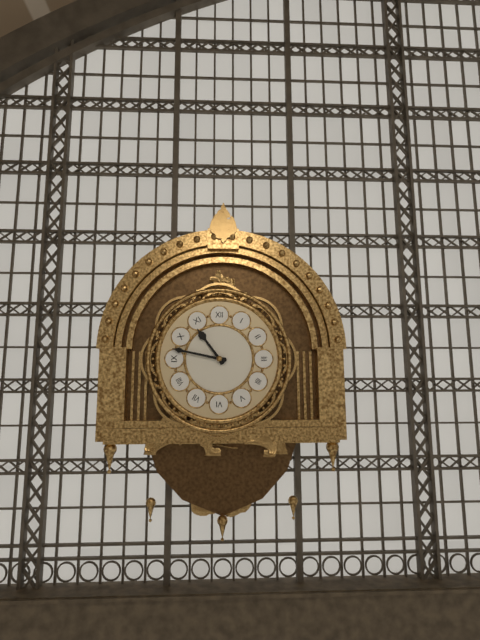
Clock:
10 h 47 min
